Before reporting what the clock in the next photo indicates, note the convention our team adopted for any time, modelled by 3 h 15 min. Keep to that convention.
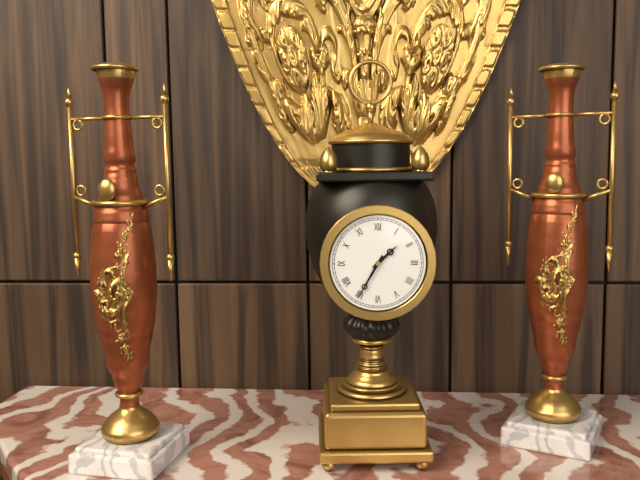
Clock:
1 h 35 min
